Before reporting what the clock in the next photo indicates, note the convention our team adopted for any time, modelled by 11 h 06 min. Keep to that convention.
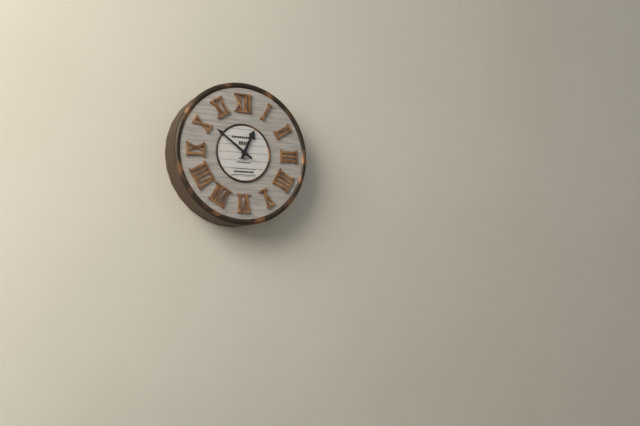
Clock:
12 h 51 min
